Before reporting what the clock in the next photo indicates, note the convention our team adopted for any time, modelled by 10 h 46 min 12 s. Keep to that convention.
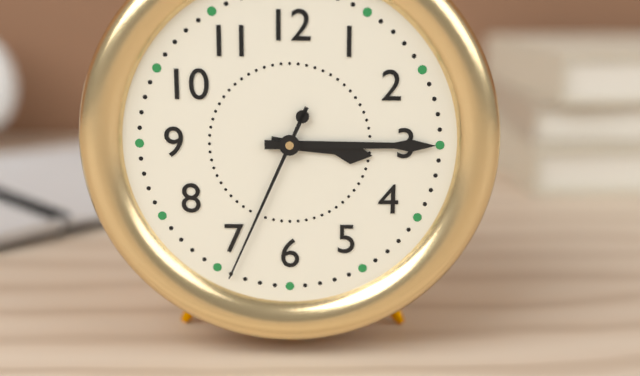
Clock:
3 h 15 min 34 s
